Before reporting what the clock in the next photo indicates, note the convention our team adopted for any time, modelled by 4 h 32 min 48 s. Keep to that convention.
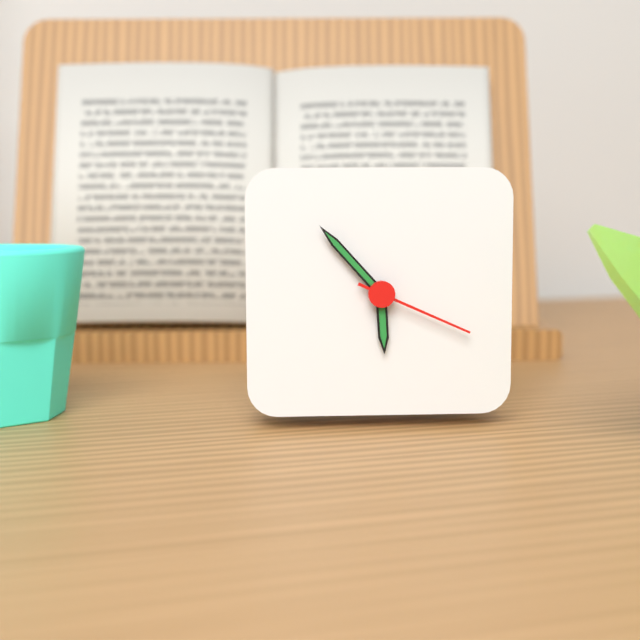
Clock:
5 h 53 min 19 s
